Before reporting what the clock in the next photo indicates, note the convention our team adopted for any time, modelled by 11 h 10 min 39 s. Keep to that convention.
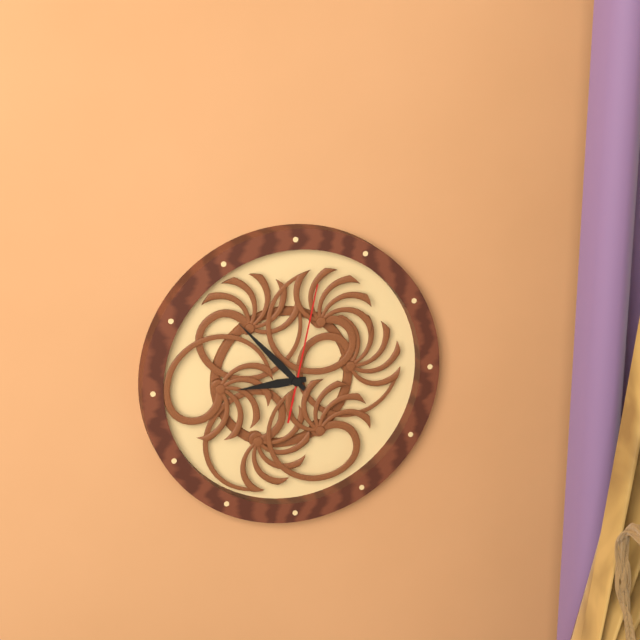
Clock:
8 h 53 min 02 s
